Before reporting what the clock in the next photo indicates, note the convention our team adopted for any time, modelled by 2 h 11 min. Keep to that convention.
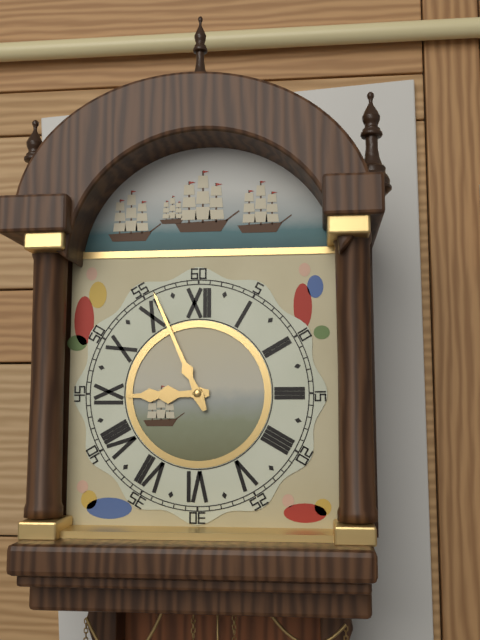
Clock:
8 h 56 min
